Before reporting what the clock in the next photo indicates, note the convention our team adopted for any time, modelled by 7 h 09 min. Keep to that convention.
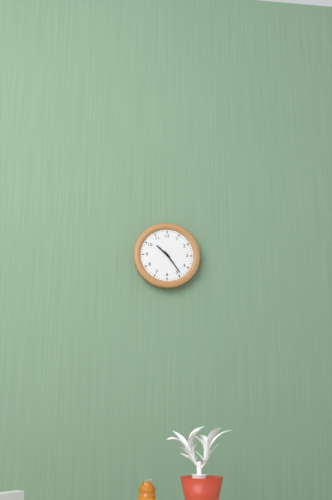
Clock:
10 h 24 min
